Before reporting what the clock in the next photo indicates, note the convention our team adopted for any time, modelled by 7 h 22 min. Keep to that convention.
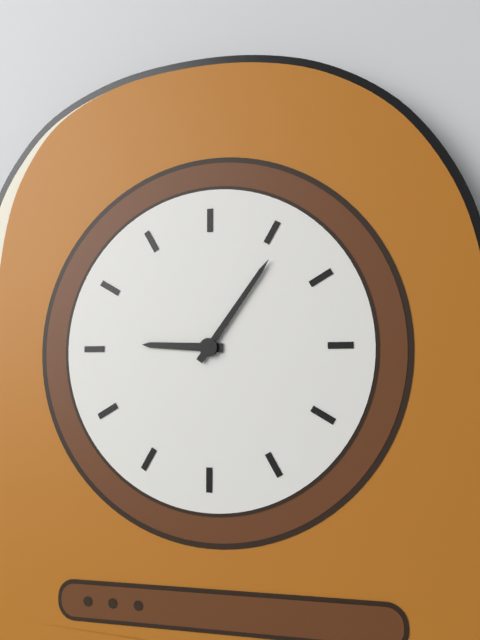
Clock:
9 h 06 min
